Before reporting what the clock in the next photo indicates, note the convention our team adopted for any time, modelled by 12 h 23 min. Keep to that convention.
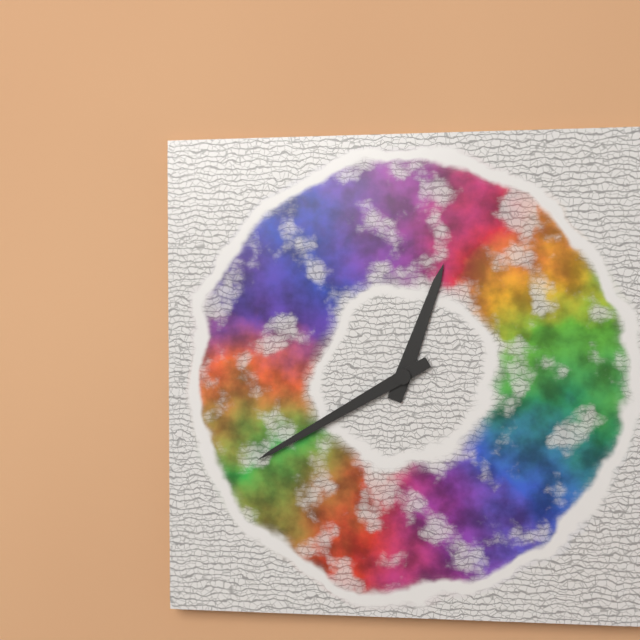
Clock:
12 h 40 min
